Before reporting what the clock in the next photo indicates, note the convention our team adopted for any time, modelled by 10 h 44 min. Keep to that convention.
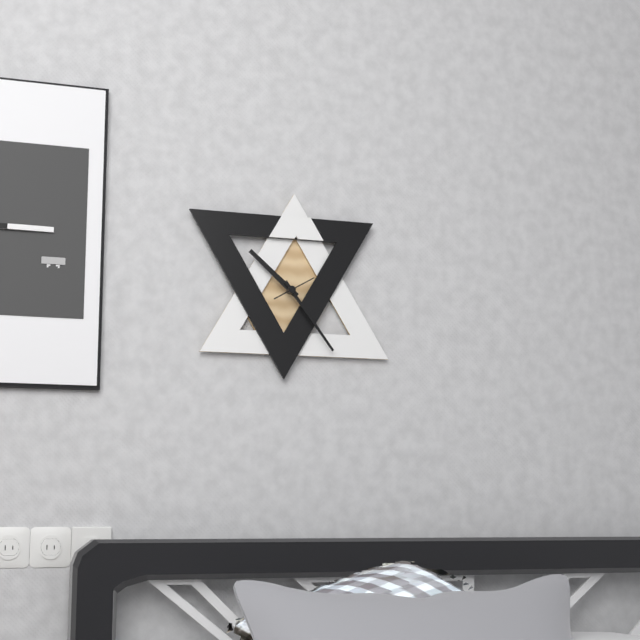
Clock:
10 h 24 min
